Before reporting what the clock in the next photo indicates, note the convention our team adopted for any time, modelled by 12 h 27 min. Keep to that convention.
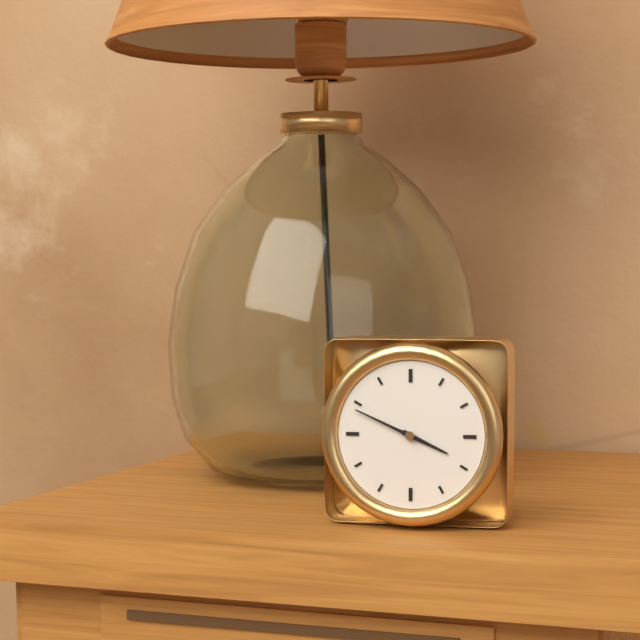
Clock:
3 h 49 min
